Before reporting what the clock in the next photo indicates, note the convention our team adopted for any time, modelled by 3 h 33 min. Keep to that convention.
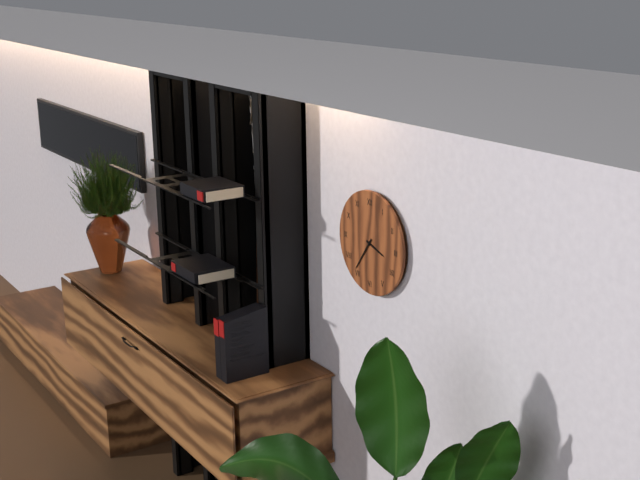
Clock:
3 h 36 min
